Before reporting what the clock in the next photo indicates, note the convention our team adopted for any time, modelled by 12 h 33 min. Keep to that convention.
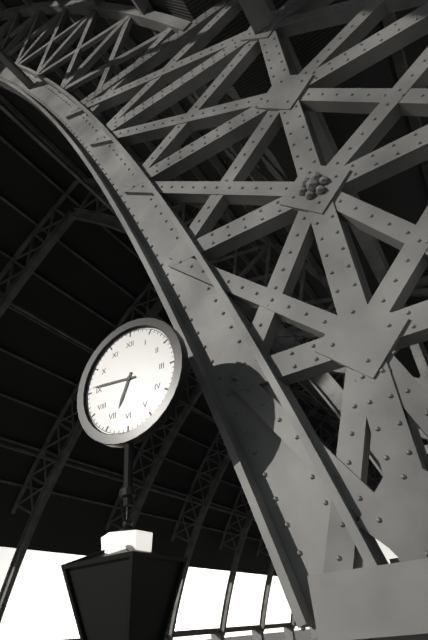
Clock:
6 h 46 min
